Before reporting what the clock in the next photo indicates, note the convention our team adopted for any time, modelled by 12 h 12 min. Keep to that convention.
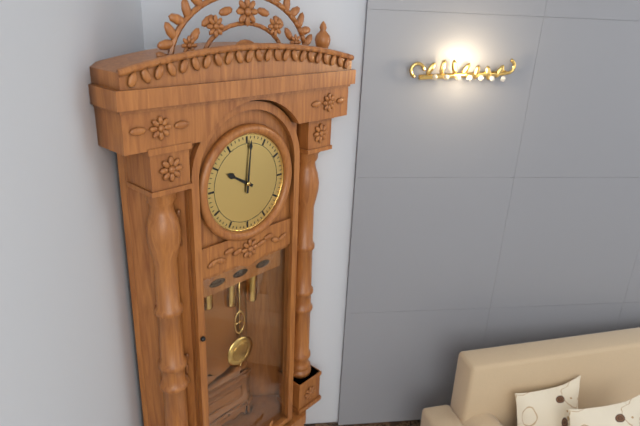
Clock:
10 h 01 min
